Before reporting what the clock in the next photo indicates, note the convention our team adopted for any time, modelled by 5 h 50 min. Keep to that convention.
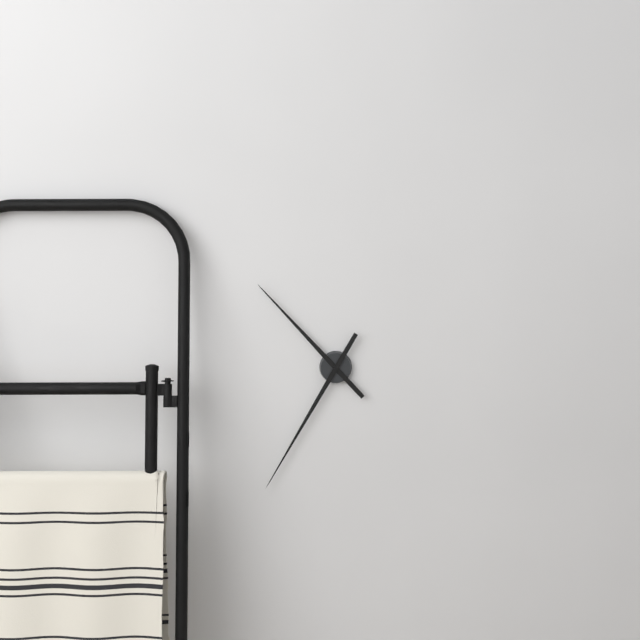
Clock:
10 h 35 min
